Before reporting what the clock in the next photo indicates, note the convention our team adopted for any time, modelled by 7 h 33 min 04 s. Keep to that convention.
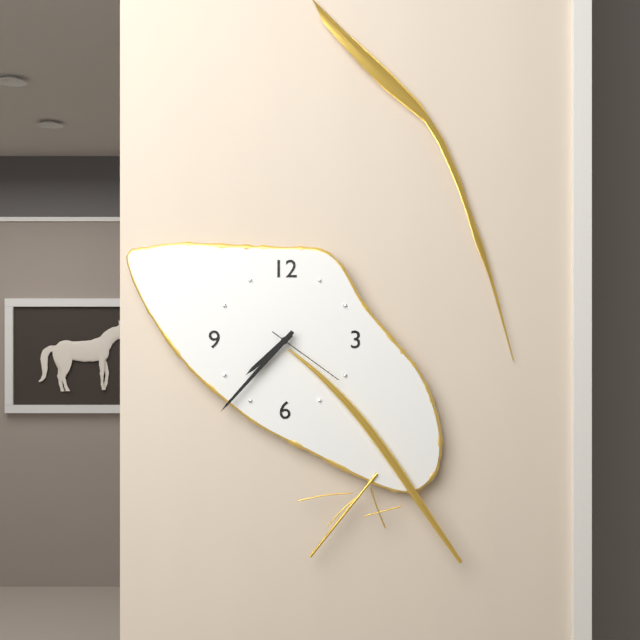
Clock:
7 h 37 min 21 s
